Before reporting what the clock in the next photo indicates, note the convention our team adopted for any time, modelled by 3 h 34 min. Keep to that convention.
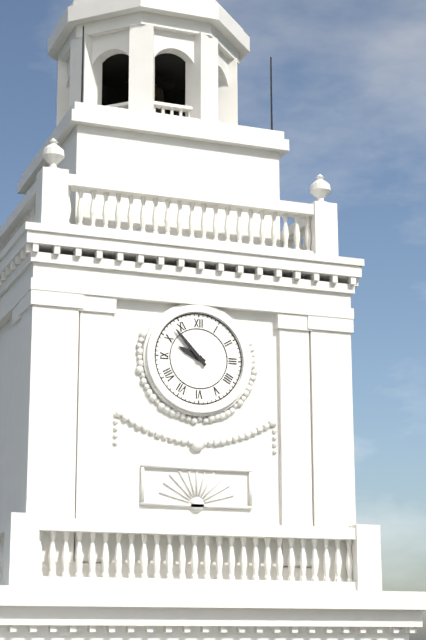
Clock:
9 h 53 min
